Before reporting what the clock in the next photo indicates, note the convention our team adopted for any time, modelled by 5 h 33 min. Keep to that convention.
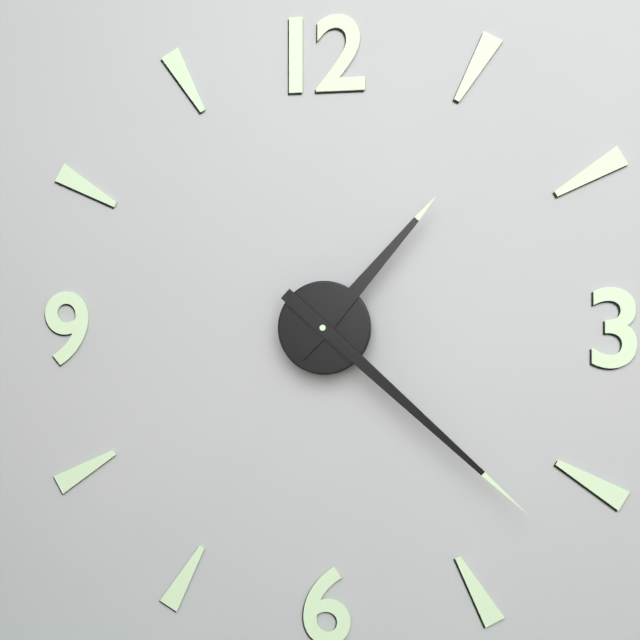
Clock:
1 h 22 min
